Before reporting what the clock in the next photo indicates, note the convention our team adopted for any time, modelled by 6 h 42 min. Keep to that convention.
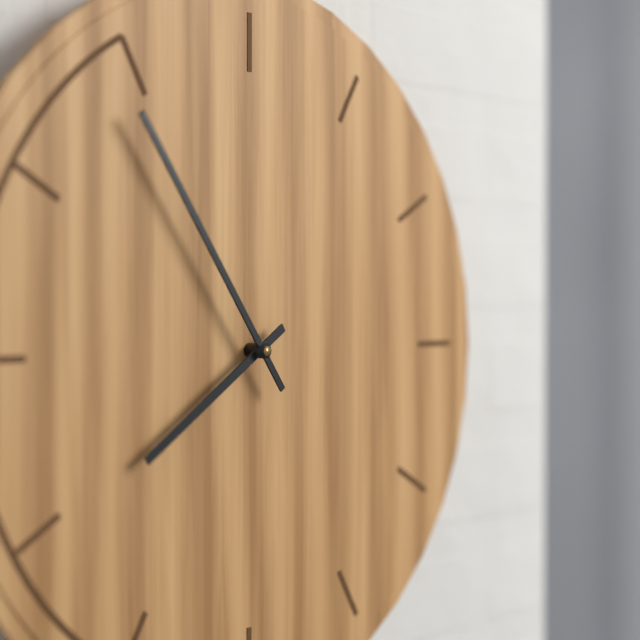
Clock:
7 h 54 min
